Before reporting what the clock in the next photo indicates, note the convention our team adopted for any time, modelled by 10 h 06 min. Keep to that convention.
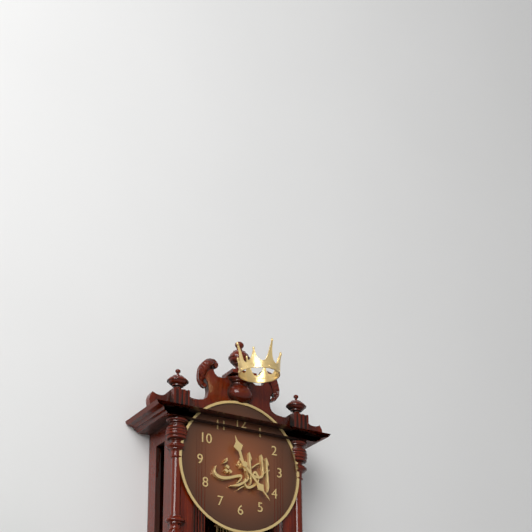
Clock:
11 h 23 min
